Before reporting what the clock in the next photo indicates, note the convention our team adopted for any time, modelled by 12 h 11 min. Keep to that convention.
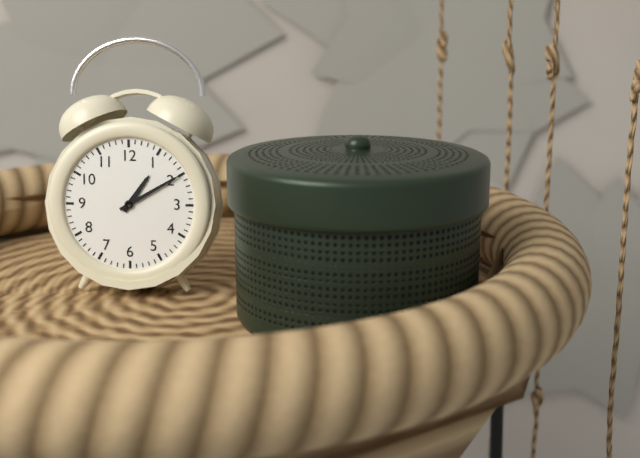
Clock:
1 h 10 min
